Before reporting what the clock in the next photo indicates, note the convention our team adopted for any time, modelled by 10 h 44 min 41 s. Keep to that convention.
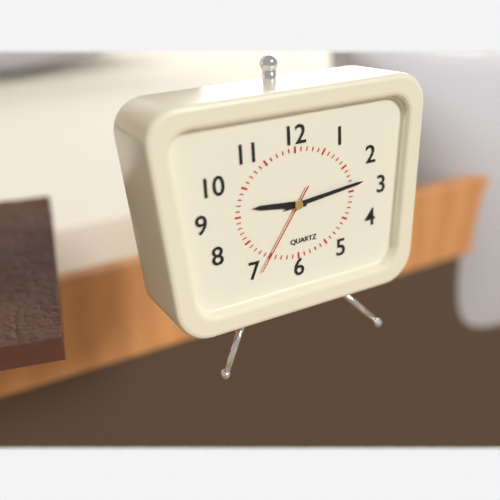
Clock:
9 h 14 min 36 s
